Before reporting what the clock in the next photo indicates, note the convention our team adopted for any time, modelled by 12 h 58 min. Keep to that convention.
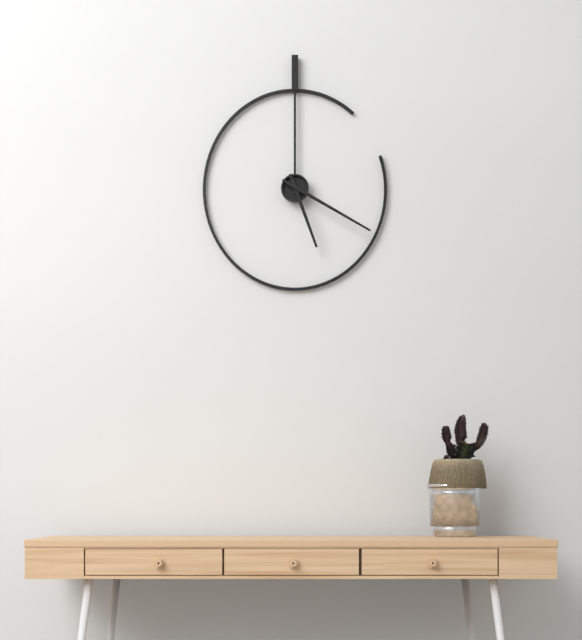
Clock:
5 h 20 min
